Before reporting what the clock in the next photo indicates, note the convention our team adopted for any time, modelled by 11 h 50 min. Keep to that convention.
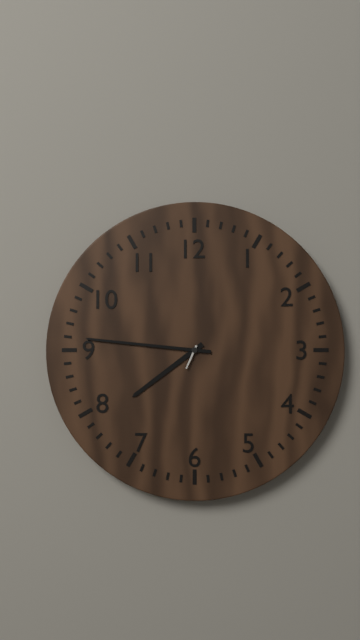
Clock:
7 h 46 min
